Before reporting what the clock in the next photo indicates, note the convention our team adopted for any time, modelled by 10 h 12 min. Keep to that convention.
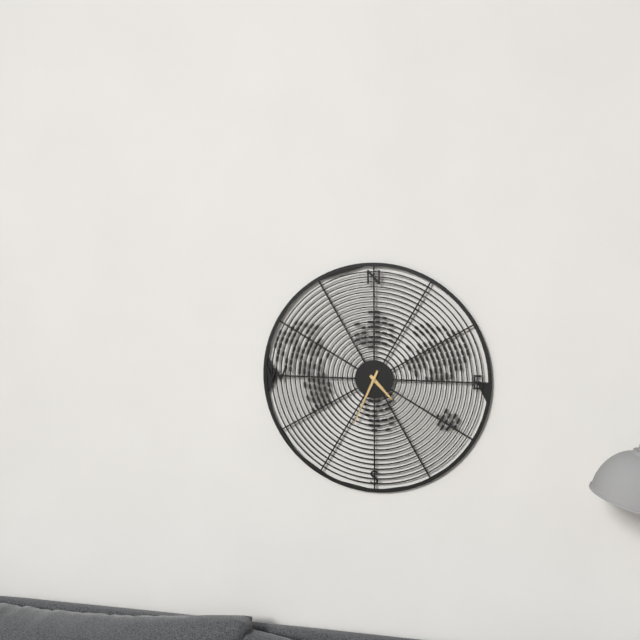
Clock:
4 h 34 min
